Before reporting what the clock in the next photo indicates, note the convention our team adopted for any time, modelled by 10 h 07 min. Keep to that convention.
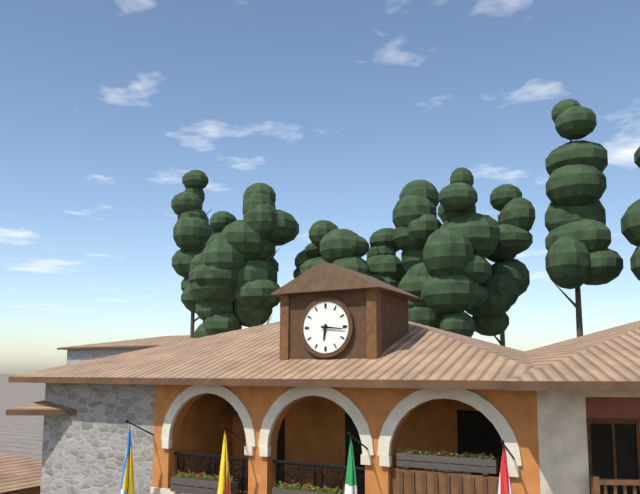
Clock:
6 h 16 min
